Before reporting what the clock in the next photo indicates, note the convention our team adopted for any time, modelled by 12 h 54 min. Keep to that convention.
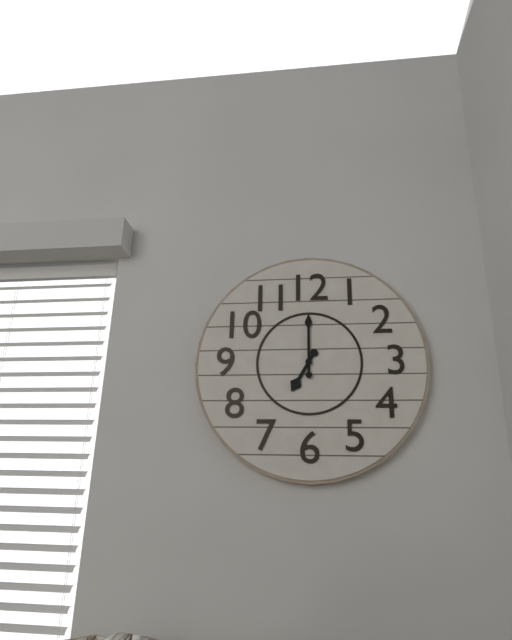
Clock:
7 h 00 min
